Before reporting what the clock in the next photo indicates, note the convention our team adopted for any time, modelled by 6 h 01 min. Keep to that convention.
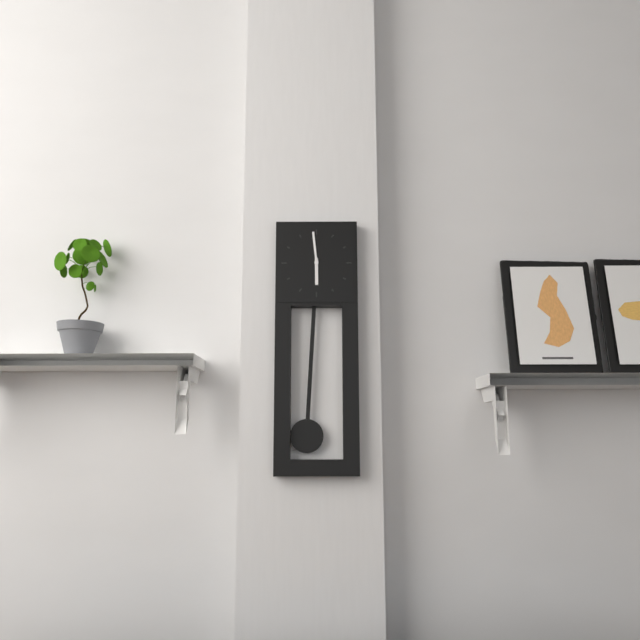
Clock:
5 h 59 min
